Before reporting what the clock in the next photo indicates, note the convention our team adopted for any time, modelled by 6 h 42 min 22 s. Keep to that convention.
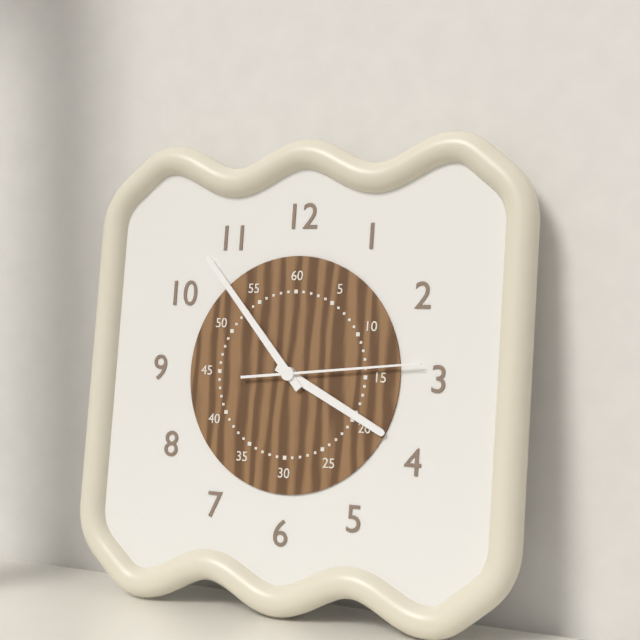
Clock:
3 h 53 min 14 s
